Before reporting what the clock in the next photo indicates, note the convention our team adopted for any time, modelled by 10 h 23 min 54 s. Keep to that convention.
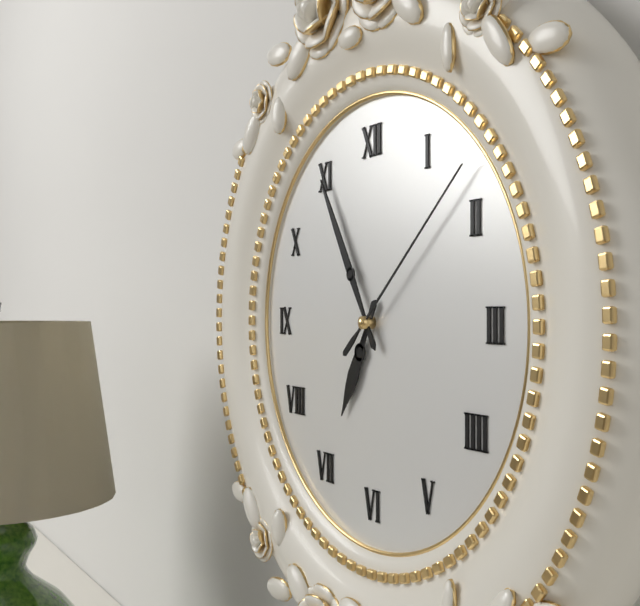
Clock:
6 h 55 min 08 s
